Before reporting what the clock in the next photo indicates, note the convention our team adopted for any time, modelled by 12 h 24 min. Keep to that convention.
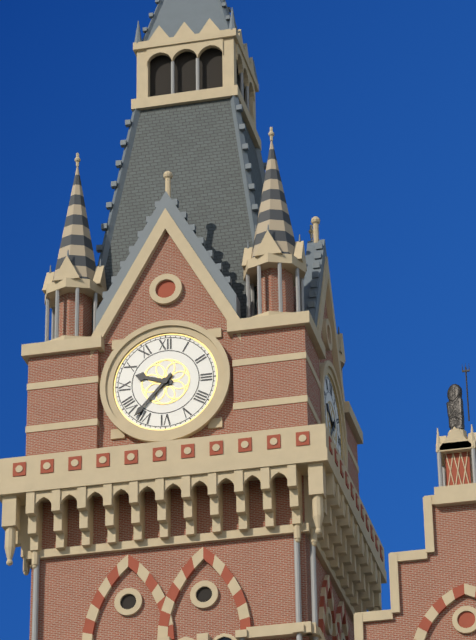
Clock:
9 h 37 min
